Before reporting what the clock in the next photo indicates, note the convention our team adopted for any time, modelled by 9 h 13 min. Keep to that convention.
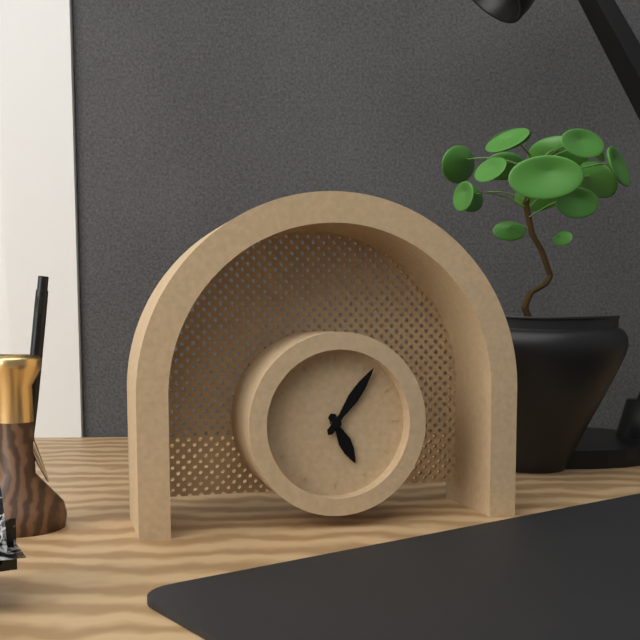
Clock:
5 h 06 min
